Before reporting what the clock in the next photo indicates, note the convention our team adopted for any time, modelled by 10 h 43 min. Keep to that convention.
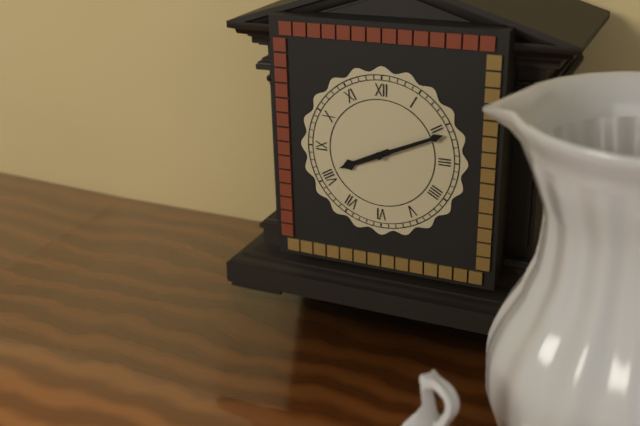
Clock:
8 h 11 min
